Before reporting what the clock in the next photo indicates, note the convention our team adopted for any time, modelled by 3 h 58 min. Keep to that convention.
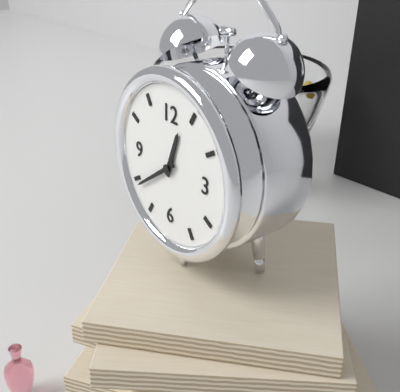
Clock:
12 h 39 min
